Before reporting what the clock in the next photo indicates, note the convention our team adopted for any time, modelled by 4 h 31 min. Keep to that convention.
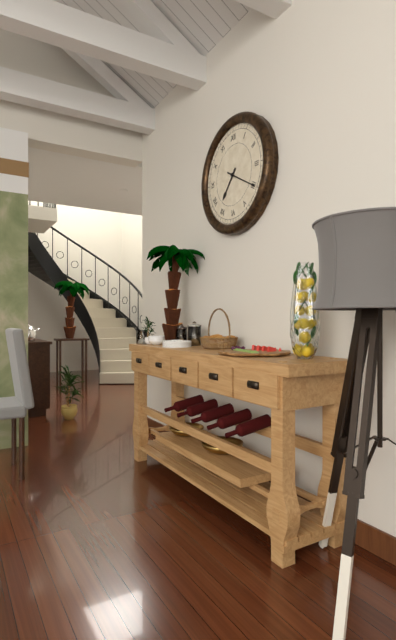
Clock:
7 h 20 min
